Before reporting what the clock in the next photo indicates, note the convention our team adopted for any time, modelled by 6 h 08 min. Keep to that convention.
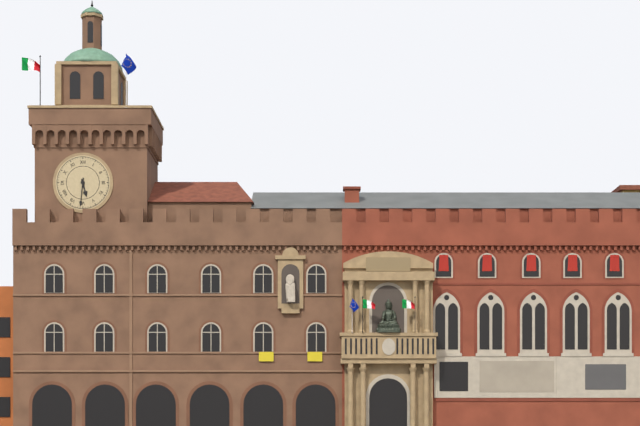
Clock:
5 h 31 min
